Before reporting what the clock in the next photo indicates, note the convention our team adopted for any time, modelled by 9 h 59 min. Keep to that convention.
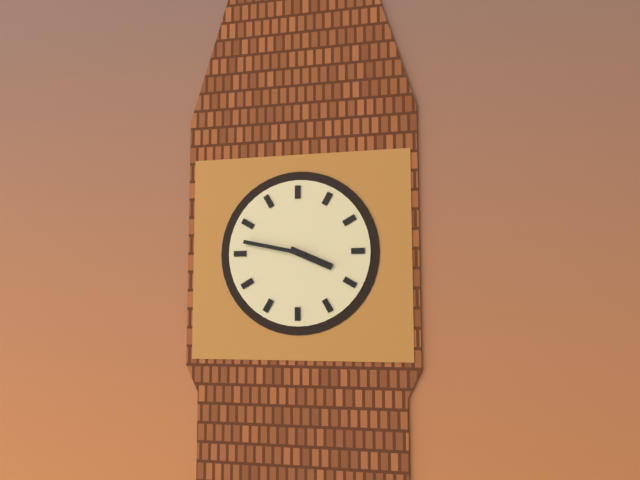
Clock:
3 h 47 min
